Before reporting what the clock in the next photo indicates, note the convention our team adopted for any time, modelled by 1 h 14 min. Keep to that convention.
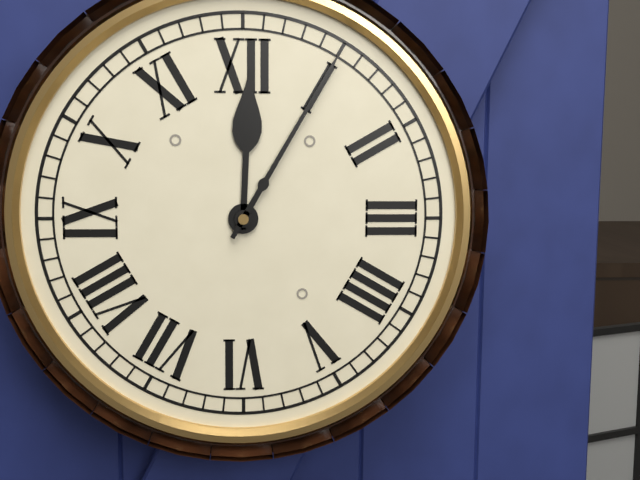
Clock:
12 h 05 min
